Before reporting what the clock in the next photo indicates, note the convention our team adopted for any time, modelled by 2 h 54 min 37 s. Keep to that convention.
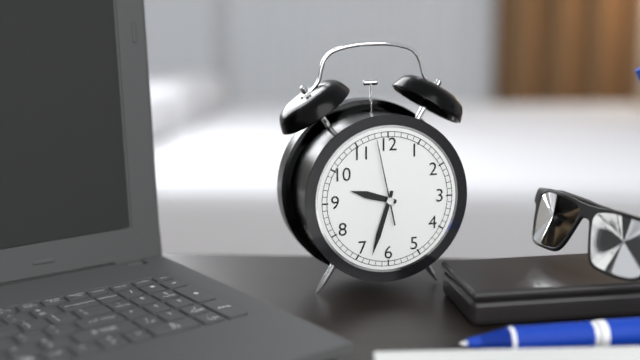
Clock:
9 h 33 min 58 s
